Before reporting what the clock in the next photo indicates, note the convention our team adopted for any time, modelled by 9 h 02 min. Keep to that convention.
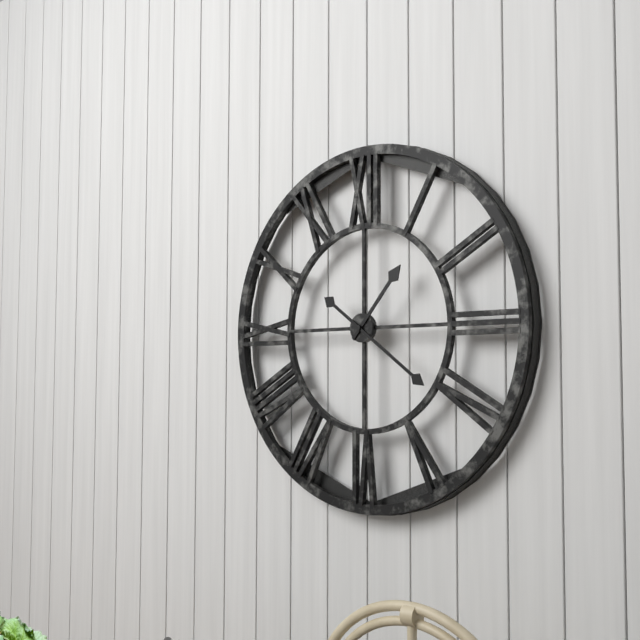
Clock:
1 h 21 min
